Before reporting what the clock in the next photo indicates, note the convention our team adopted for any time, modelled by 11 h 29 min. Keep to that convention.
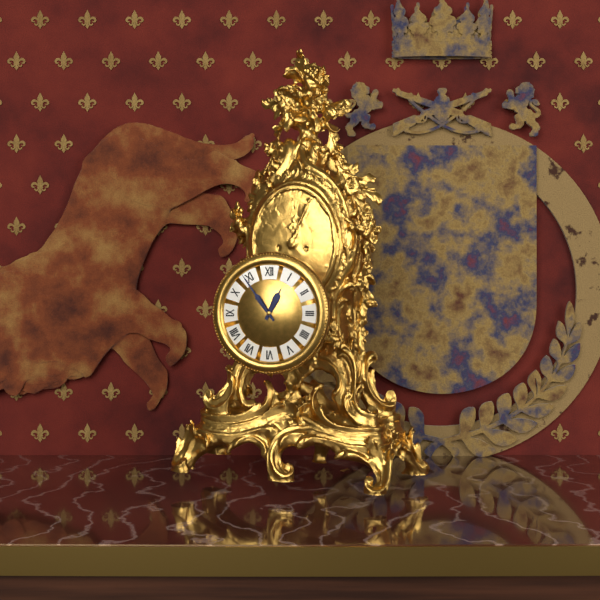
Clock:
12 h 54 min
